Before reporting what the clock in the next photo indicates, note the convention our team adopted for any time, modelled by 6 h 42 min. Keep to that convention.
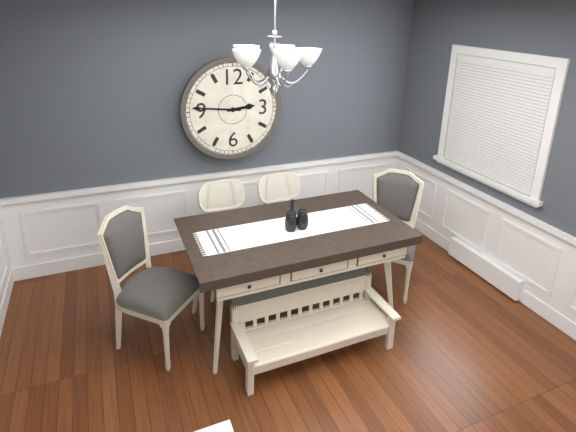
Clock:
2 h 46 min
